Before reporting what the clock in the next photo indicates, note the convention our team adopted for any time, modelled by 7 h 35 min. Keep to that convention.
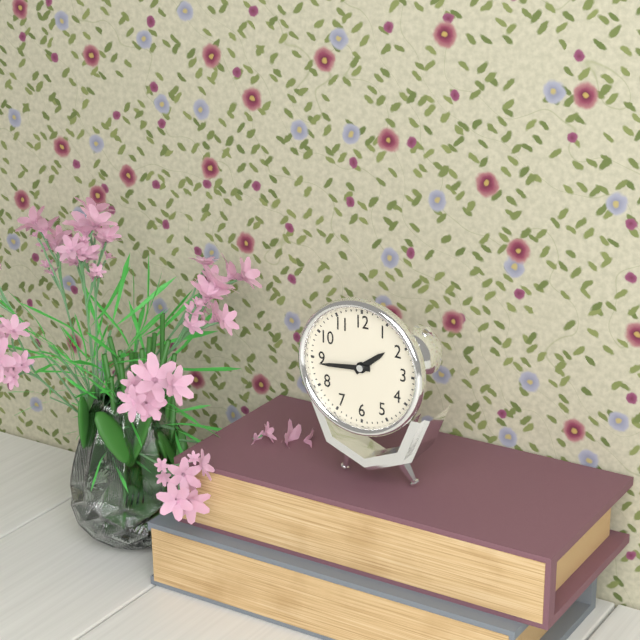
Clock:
1 h 44 min
